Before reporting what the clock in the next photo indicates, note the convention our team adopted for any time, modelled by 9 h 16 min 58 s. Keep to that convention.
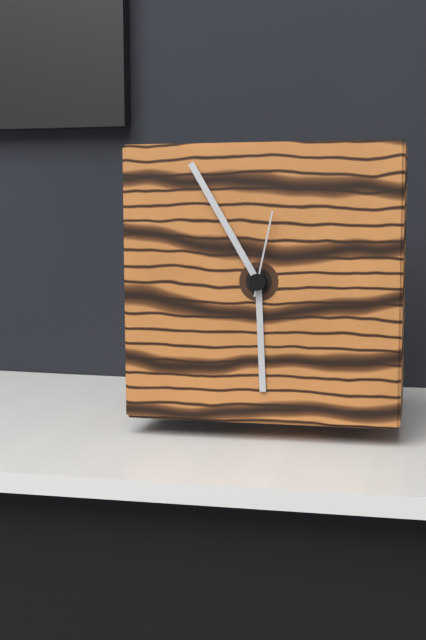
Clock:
5 h 55 min 02 s
